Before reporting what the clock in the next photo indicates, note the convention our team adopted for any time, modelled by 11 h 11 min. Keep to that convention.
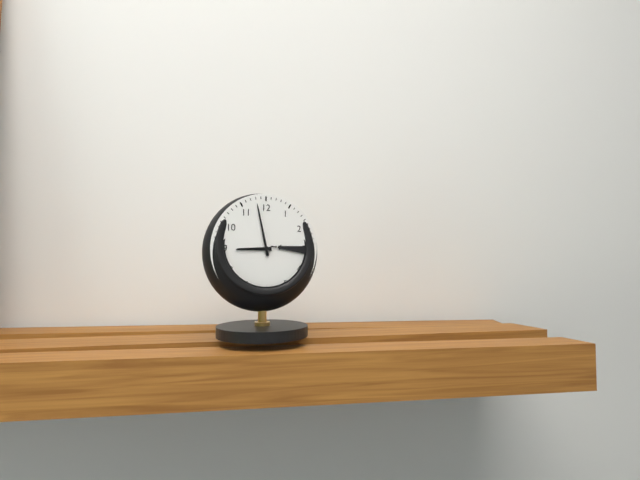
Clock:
8 h 58 min
